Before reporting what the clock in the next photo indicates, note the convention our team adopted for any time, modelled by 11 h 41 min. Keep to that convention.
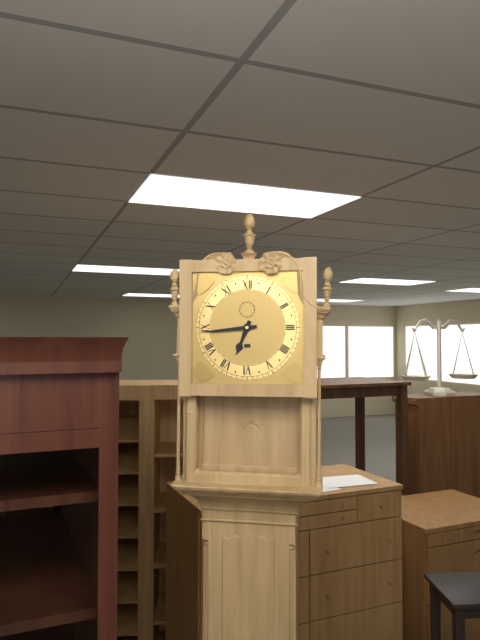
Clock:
6 h 44 min
